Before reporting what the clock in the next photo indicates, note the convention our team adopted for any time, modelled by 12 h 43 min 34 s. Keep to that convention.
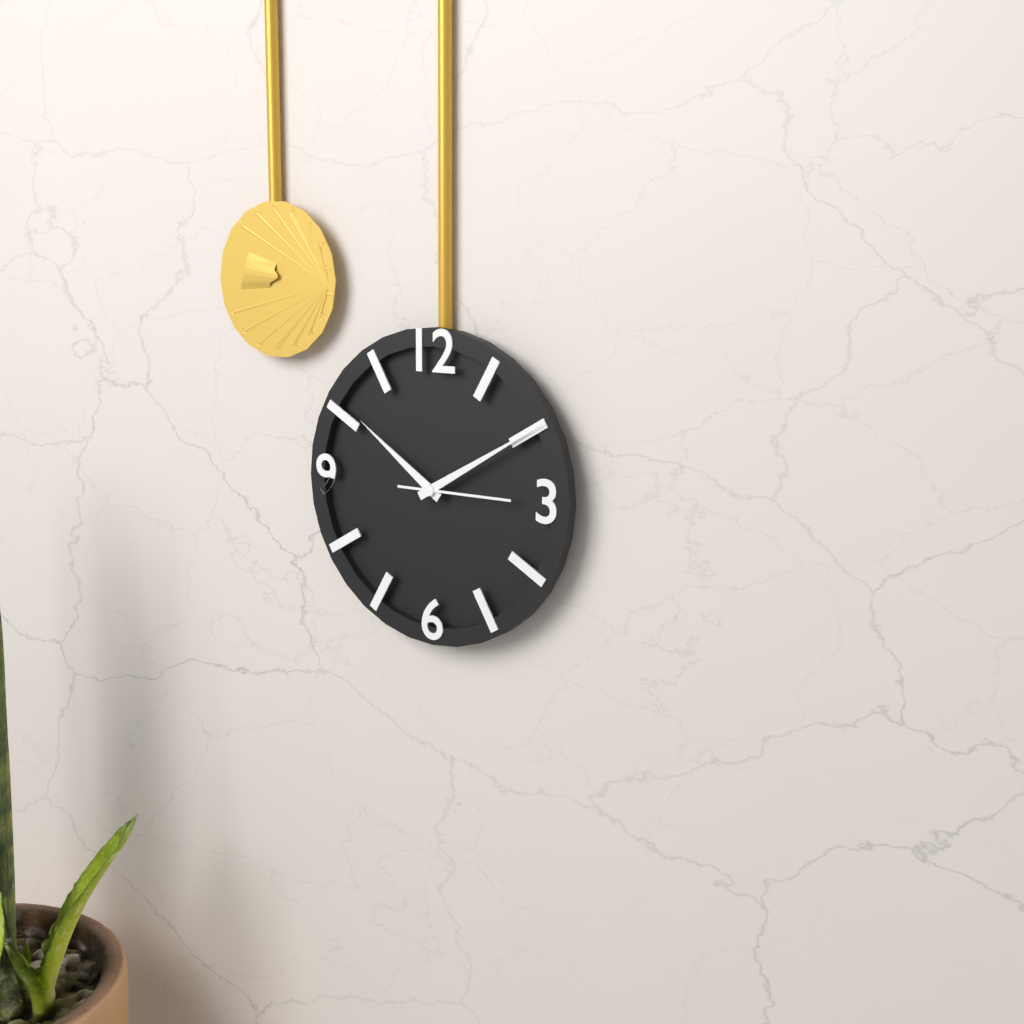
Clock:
10 h 10 min 15 s
